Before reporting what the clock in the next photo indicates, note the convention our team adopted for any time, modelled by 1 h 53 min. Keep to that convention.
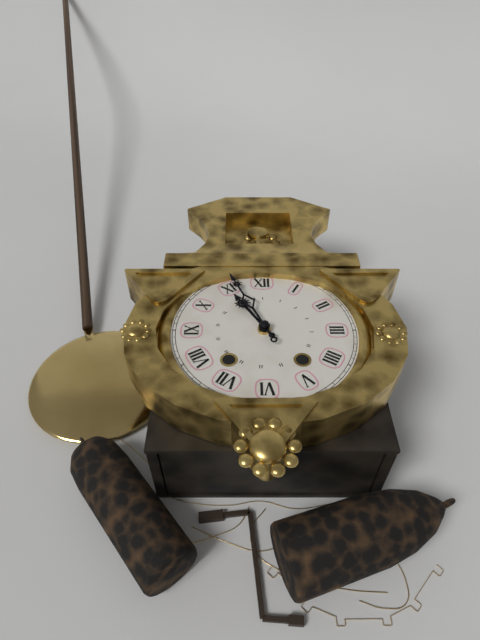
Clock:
10 h 56 min
